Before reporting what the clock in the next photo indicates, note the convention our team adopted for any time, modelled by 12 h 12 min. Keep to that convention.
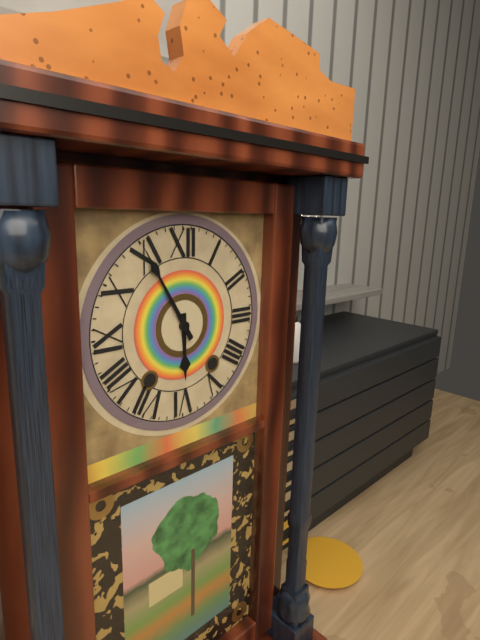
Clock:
5 h 55 min
